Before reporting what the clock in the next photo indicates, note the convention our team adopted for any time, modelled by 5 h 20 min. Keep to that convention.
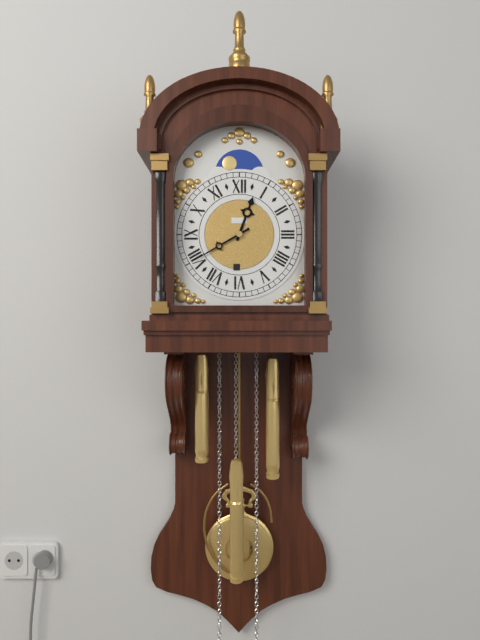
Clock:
12 h 40 min
